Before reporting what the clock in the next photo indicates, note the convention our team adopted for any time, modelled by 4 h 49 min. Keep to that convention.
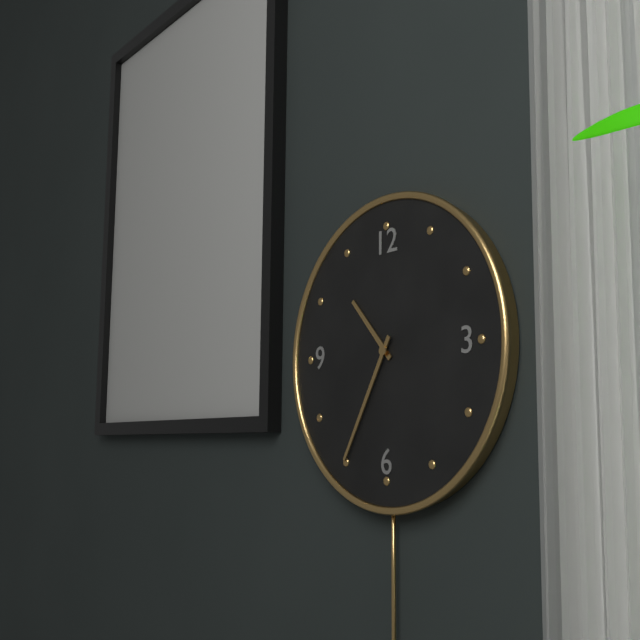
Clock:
10 h 35 min
